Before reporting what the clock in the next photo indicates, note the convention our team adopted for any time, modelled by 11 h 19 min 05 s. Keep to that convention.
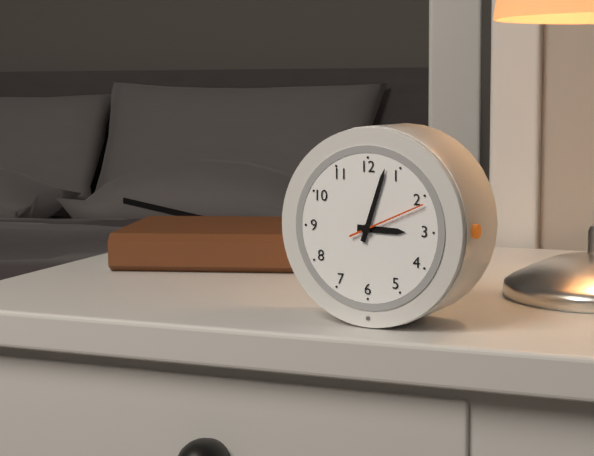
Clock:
3 h 03 min 11 s
